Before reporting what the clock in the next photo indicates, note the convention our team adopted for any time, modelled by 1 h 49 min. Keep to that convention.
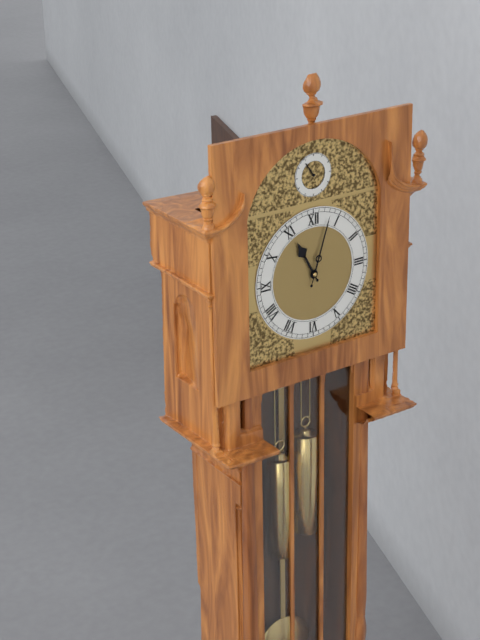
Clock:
11 h 03 min
